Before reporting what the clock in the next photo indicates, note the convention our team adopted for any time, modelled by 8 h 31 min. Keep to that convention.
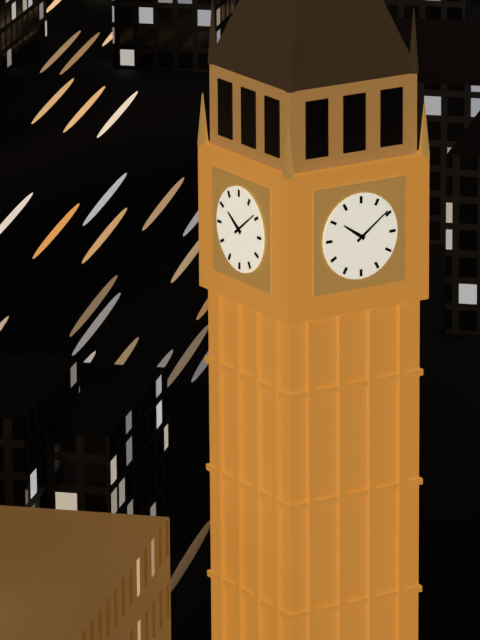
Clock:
10 h 09 min
